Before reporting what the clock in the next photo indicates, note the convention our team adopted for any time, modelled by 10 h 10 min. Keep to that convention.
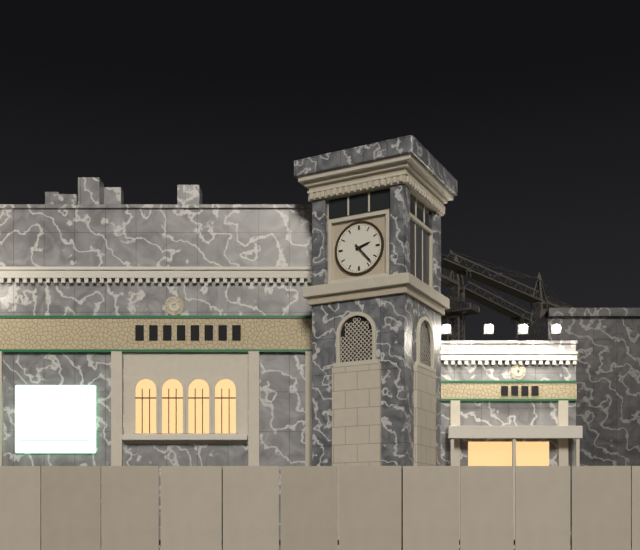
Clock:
2 h 23 min
